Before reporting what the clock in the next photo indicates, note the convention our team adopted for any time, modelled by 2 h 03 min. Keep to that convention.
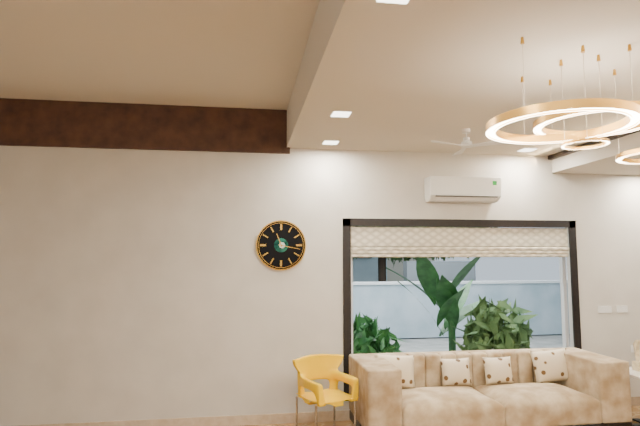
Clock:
11 h 17 min
